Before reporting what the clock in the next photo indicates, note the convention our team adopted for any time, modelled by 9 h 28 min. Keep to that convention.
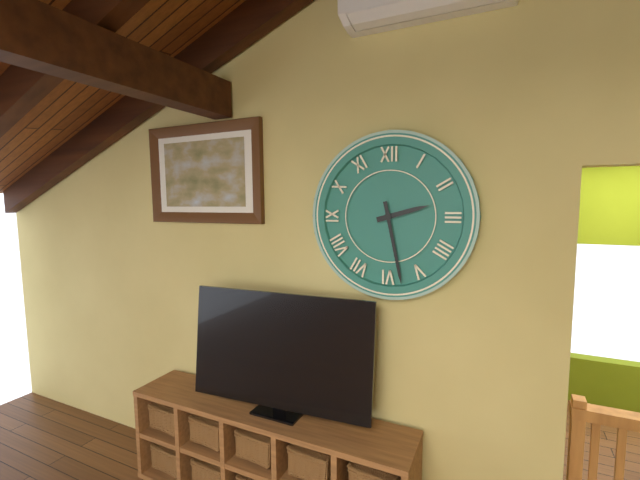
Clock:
2 h 28 min
